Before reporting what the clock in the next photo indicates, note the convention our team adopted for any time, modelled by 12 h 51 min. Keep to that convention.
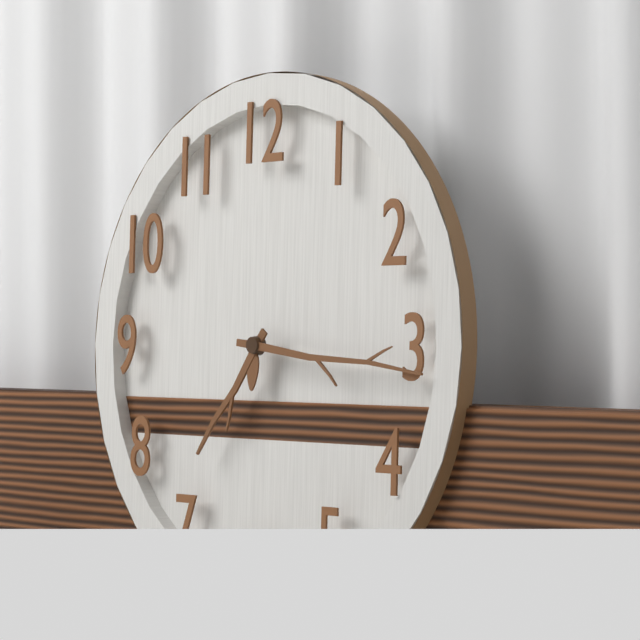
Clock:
7 h 16 min
